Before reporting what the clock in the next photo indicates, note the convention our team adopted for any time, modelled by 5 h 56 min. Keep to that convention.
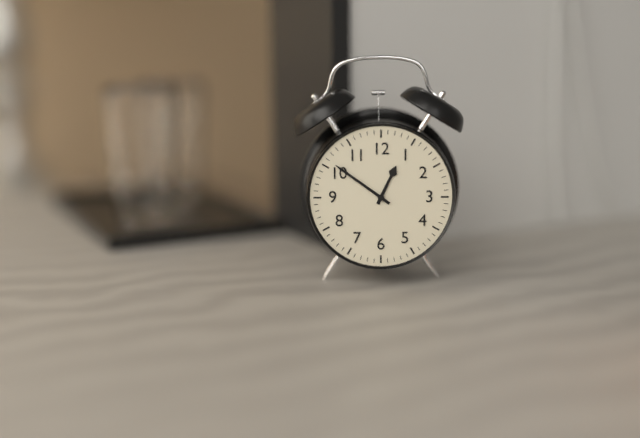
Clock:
12 h 51 min
